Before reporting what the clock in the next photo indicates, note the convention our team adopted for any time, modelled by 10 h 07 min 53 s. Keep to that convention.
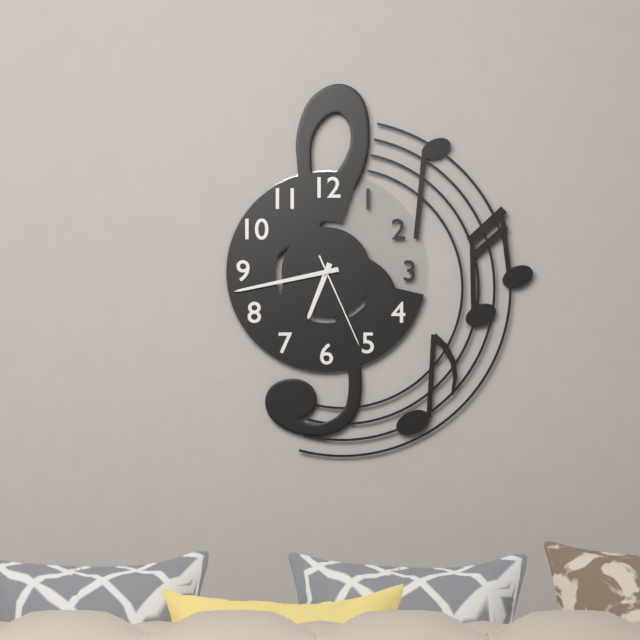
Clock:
6 h 43 min 26 s
